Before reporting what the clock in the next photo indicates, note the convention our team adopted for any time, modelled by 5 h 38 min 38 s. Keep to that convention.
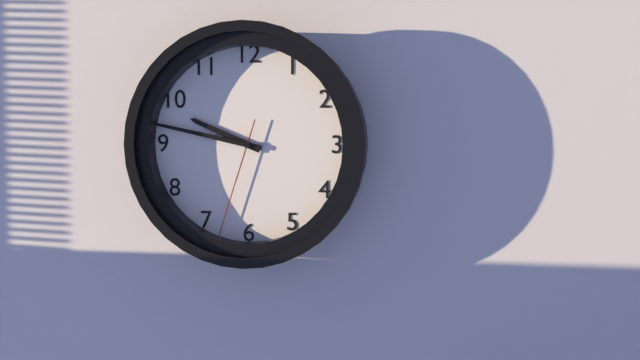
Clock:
9 h 47 min 33 s
